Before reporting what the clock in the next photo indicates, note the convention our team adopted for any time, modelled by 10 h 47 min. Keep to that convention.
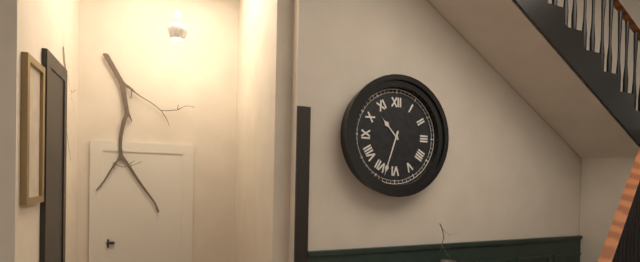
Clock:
10 h 33 min
